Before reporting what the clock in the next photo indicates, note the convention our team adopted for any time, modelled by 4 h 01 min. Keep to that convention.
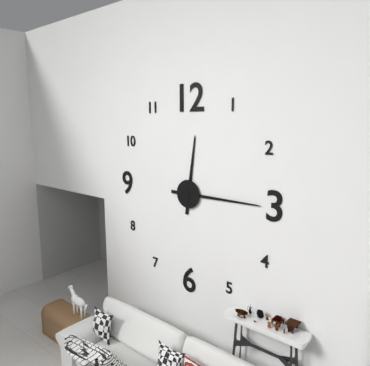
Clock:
12 h 15 min
